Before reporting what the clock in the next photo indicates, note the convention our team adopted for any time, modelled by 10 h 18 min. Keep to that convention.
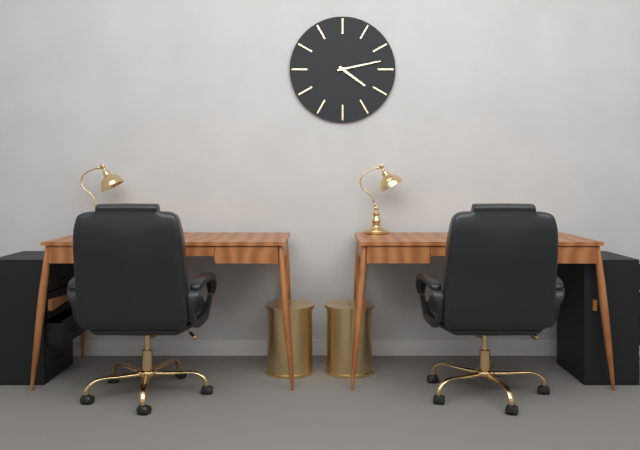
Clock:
4 h 13 min
